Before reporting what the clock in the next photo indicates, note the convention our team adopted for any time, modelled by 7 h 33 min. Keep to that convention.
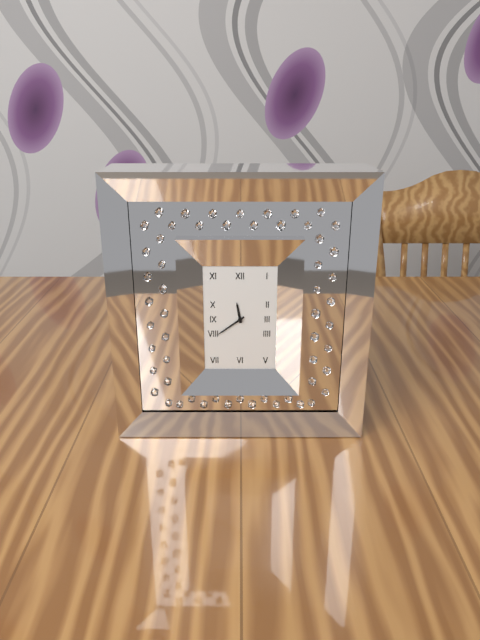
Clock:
11 h 39 min
